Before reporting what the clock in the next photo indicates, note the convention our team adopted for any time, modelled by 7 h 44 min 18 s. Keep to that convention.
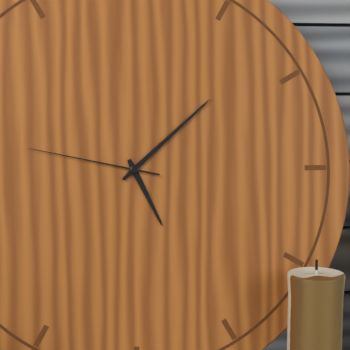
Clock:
5 h 08 min 47 s
